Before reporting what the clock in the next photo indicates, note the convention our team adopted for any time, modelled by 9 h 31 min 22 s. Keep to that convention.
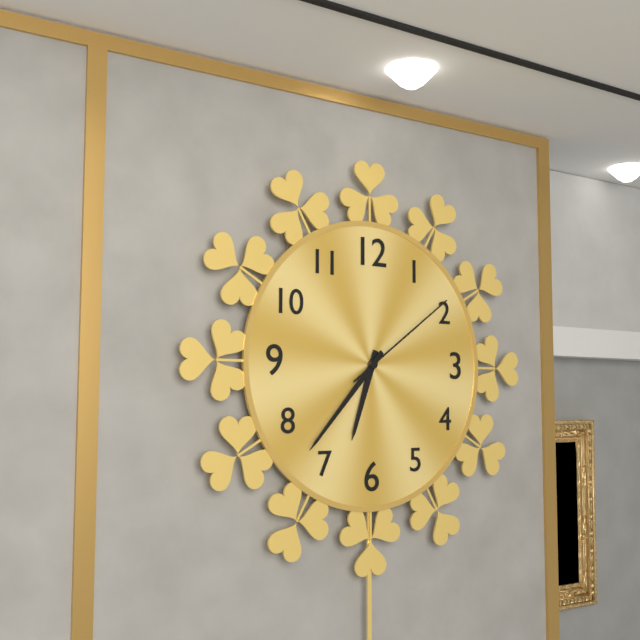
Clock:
6 h 37 min 09 s
